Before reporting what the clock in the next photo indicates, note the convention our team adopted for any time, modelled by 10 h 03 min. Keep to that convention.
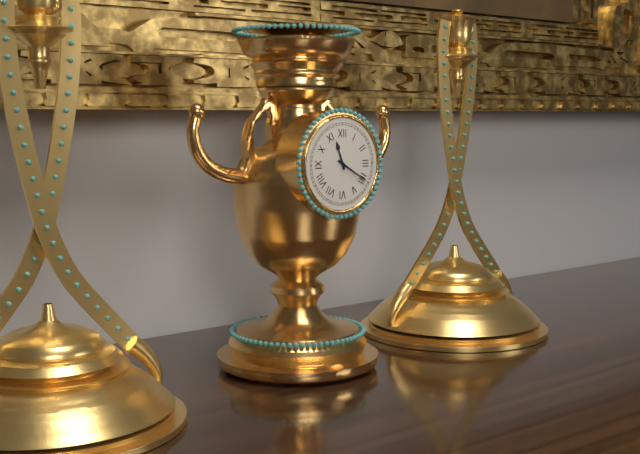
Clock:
11 h 20 min
